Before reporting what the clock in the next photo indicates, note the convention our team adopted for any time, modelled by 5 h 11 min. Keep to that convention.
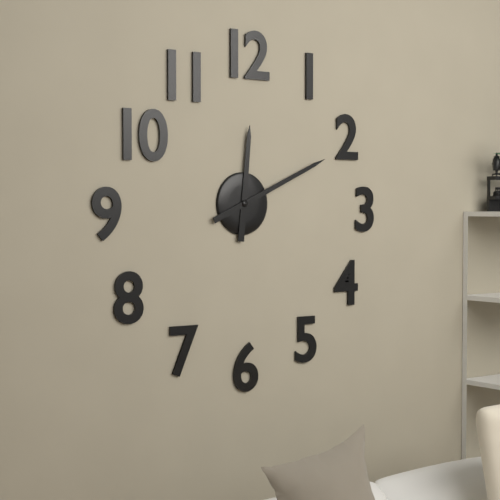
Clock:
12 h 11 min
